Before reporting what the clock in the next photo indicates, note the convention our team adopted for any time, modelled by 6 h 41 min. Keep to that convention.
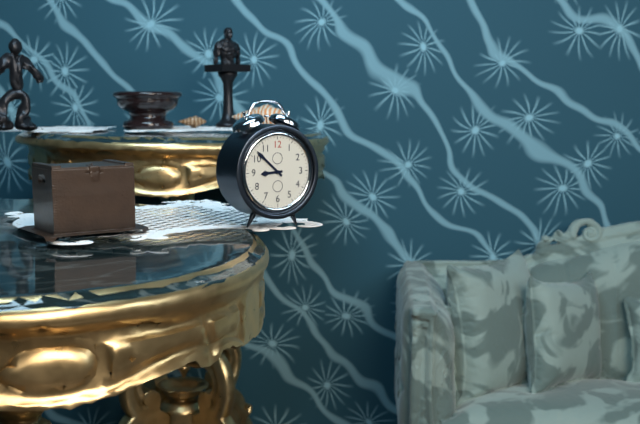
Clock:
8 h 52 min
